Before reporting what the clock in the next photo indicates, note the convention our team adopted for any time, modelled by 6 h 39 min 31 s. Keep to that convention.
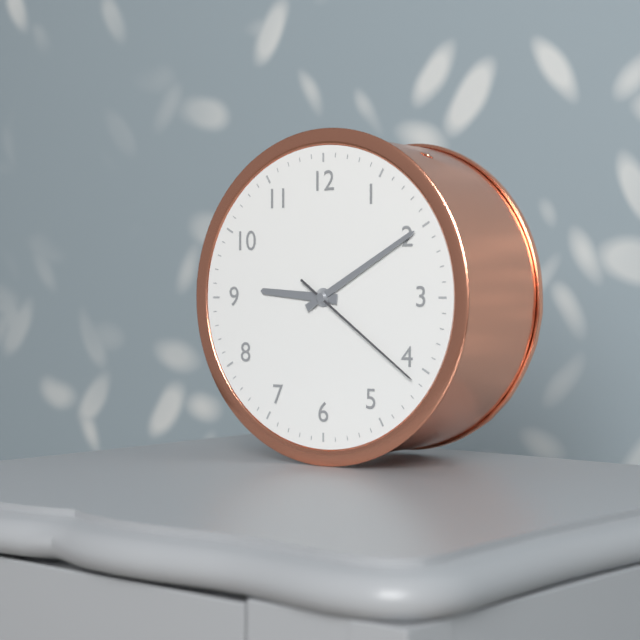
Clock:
9 h 10 min 21 s
